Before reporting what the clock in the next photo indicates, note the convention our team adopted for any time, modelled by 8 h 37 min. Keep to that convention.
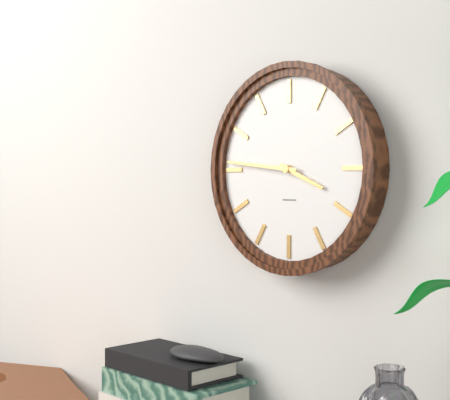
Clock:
3 h 46 min
